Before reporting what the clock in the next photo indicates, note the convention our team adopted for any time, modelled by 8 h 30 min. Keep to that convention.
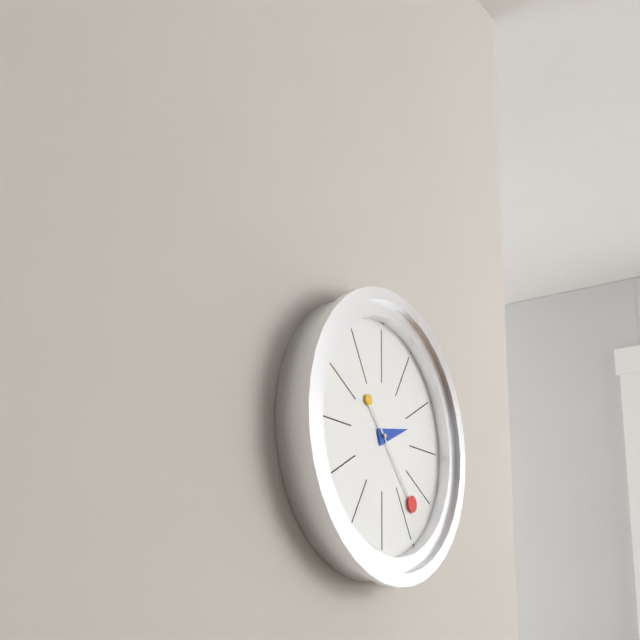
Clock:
2 h 23 min
